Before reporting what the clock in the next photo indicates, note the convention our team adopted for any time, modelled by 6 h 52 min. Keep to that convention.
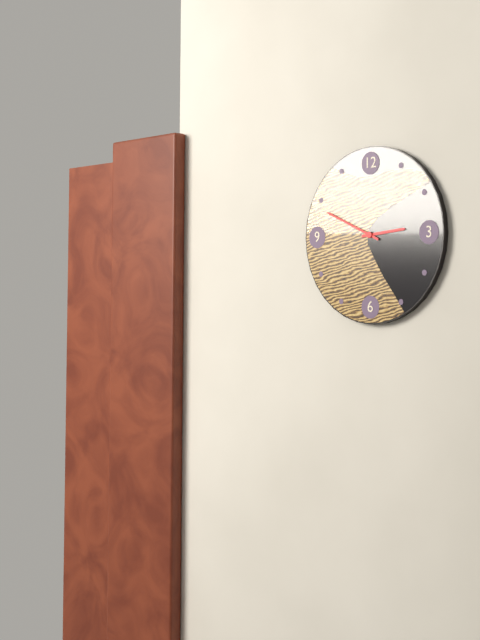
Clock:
2 h 49 min
